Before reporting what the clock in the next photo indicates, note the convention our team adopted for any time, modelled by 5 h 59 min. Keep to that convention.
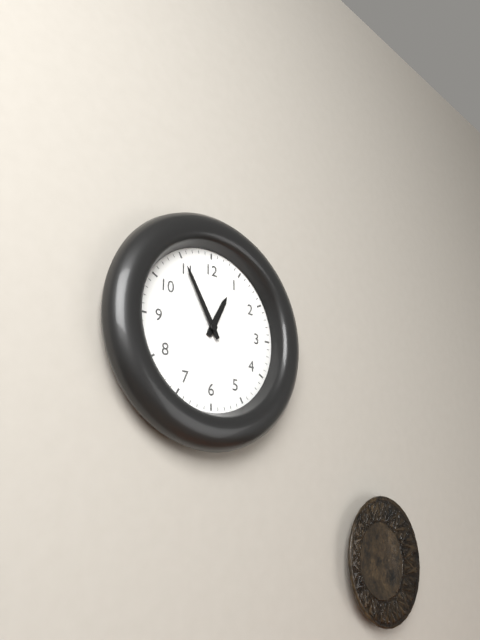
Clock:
12 h 55 min
